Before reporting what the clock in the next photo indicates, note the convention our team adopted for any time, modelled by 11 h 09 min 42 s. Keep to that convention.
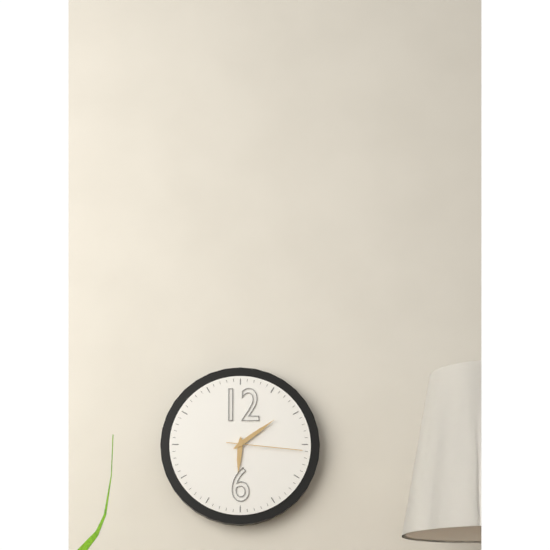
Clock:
6 h 09 min 16 s
